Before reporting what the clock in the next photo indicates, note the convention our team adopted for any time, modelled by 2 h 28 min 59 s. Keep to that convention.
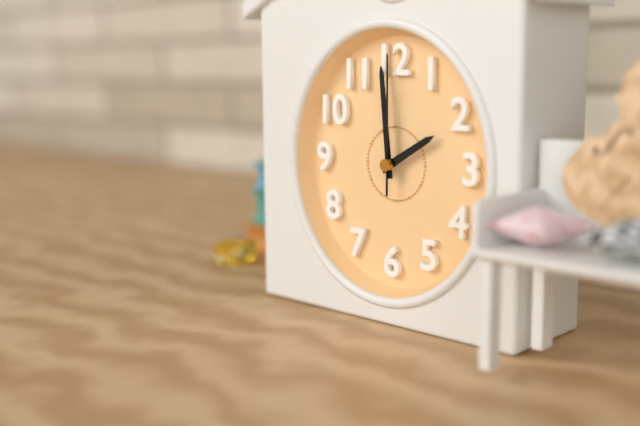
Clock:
1 h 59 min 00 s
